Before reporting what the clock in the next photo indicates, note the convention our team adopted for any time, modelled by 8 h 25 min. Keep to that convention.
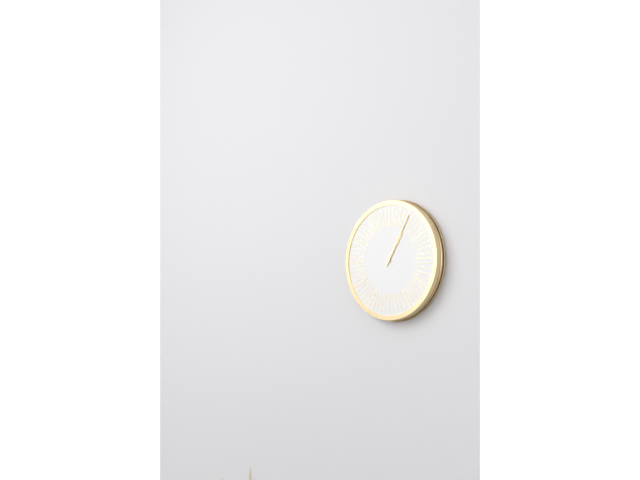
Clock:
1 h 05 min
